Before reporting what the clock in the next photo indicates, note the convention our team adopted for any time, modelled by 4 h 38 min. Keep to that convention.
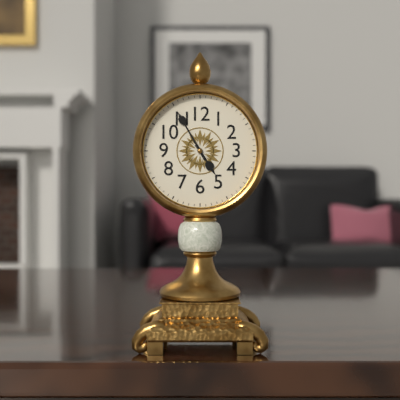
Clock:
4 h 55 min
